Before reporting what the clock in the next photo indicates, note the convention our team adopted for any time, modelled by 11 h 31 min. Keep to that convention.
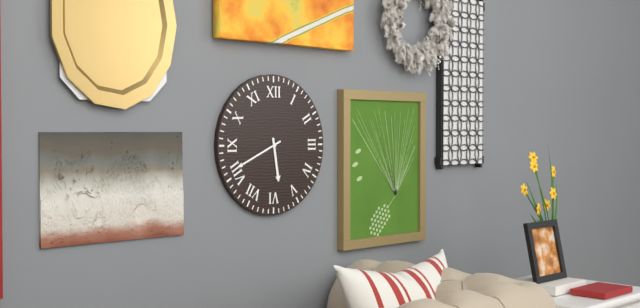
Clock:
5 h 41 min
